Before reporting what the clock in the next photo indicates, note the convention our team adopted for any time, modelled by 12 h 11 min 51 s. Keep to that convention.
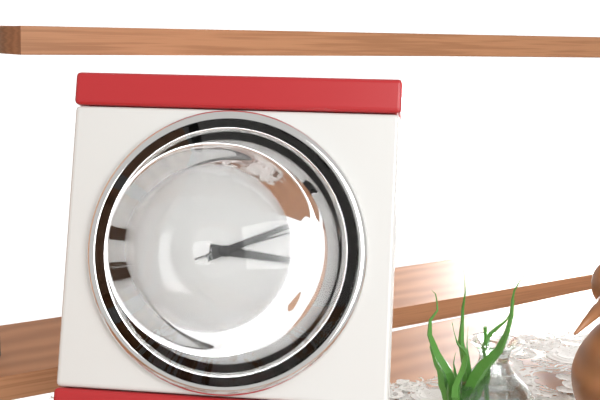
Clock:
3 h 11 min 12 s
